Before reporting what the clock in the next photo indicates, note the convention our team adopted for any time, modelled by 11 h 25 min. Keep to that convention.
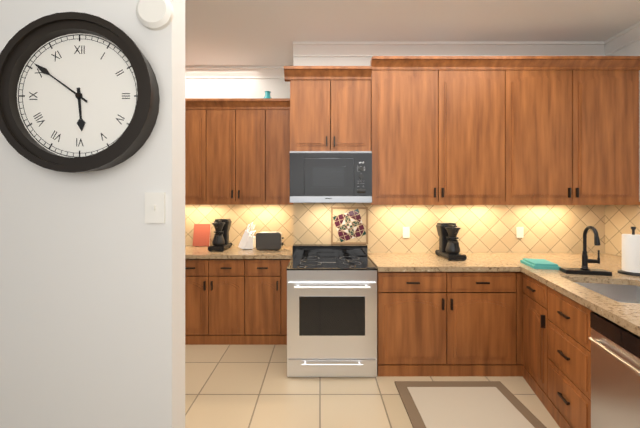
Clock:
5 h 51 min
